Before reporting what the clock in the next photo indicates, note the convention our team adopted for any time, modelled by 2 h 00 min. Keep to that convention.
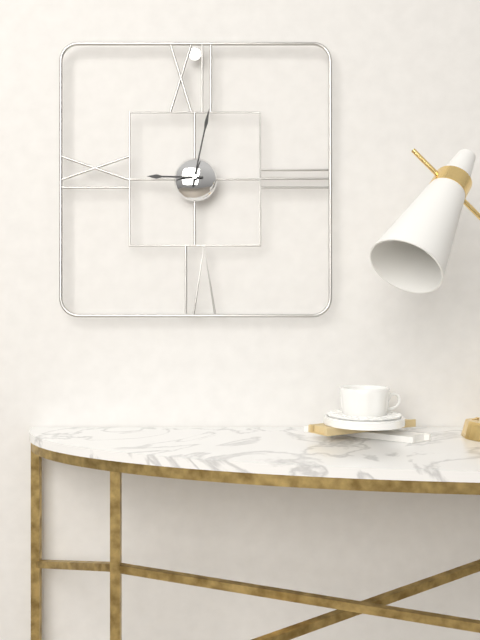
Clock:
9 h 02 min
